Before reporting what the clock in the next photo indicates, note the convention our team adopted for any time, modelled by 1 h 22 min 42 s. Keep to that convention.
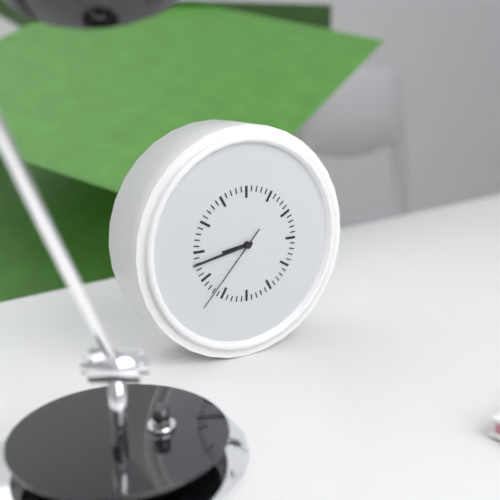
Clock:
8 h 43 min 37 s
